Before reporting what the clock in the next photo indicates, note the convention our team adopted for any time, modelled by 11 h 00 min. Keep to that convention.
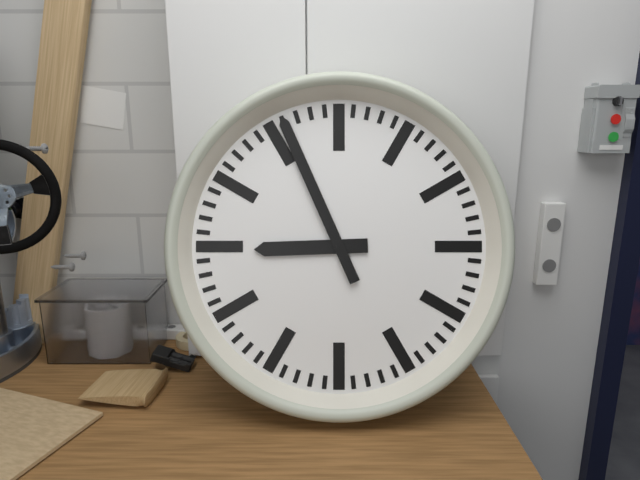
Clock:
8 h 56 min
